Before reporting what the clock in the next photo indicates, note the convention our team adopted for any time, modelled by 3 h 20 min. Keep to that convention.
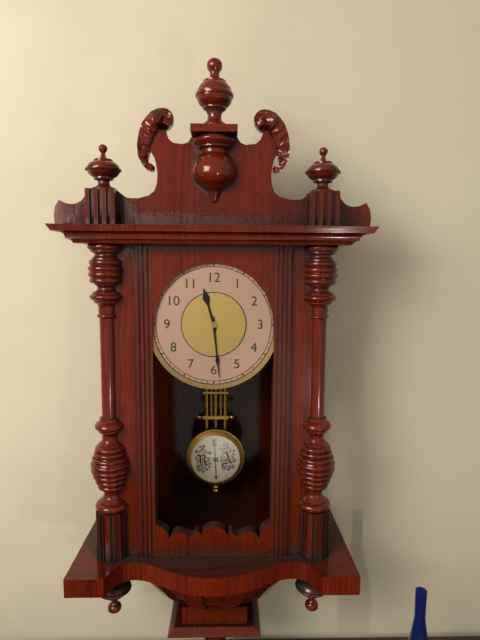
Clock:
11 h 29 min
